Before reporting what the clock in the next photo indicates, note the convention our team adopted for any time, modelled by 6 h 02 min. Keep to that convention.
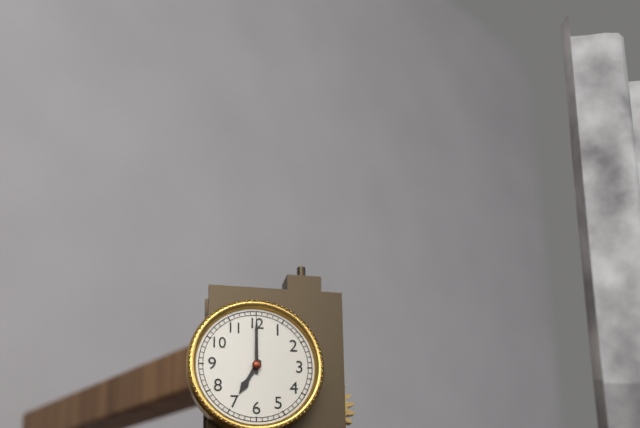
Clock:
7 h 00 min
